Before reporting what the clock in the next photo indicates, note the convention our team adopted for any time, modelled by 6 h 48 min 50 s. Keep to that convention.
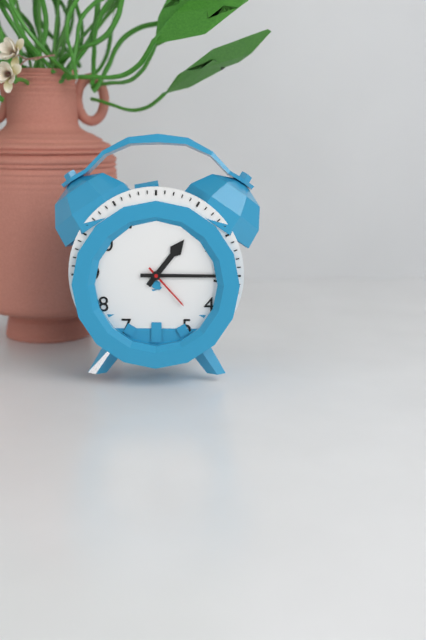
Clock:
1 h 15 min 23 s
